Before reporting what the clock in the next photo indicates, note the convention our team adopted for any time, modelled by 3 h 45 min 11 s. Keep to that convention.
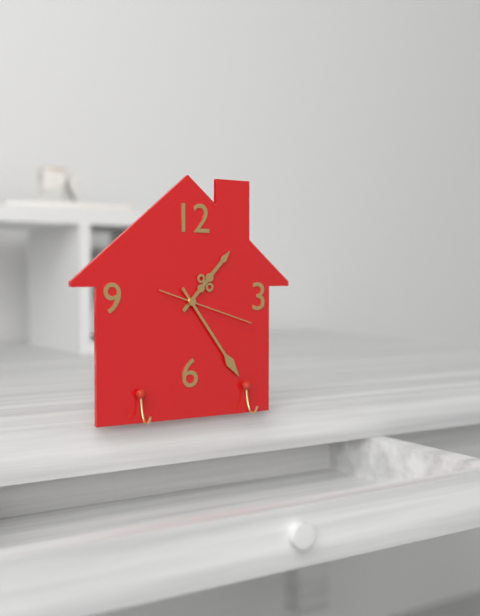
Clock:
1 h 24 min 18 s
